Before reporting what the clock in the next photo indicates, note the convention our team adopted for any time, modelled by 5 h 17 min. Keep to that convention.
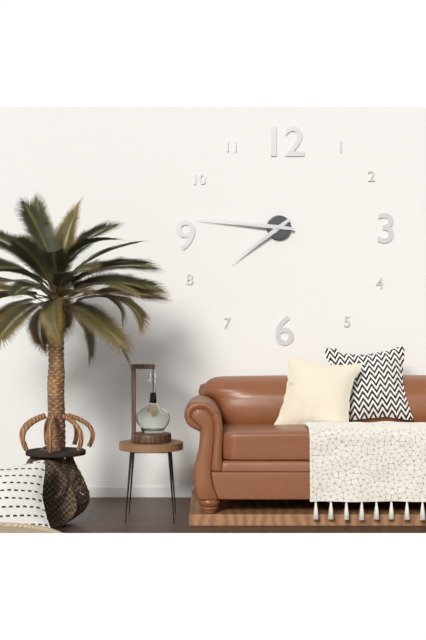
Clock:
7 h 46 min
